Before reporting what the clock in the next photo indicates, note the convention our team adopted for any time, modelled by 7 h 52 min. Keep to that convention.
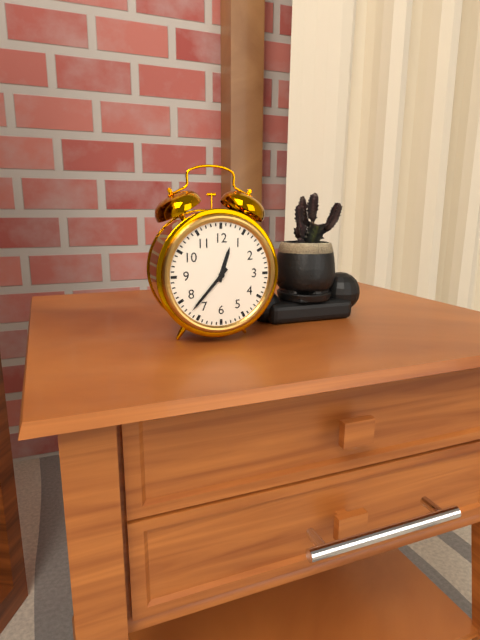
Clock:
12 h 37 min
